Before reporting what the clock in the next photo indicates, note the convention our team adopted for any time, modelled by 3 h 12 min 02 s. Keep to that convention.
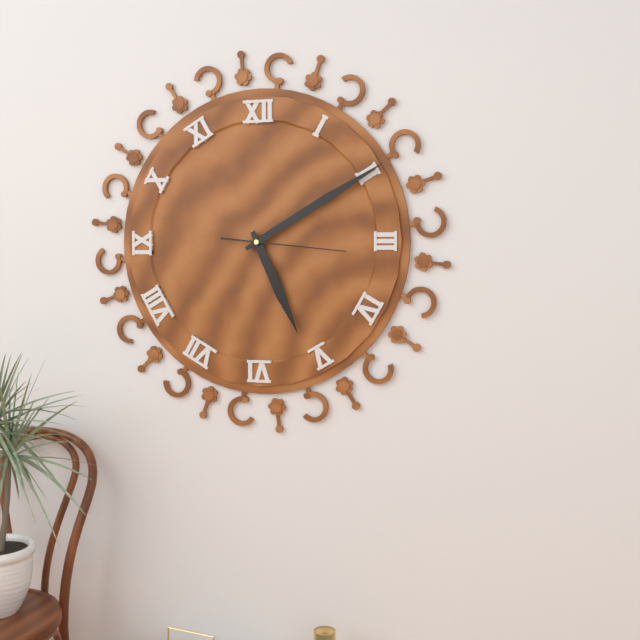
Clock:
5 h 10 min 16 s
